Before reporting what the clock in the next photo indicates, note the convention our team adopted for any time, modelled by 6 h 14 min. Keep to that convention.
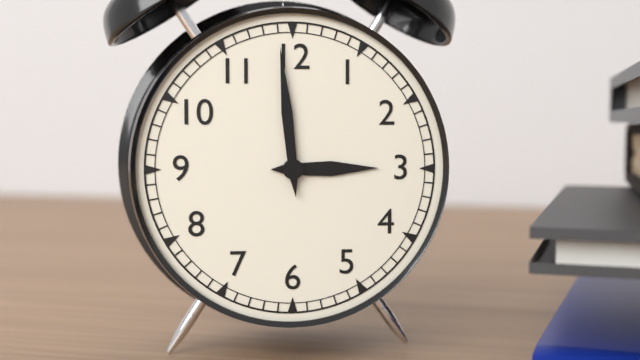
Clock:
2 h 59 min
